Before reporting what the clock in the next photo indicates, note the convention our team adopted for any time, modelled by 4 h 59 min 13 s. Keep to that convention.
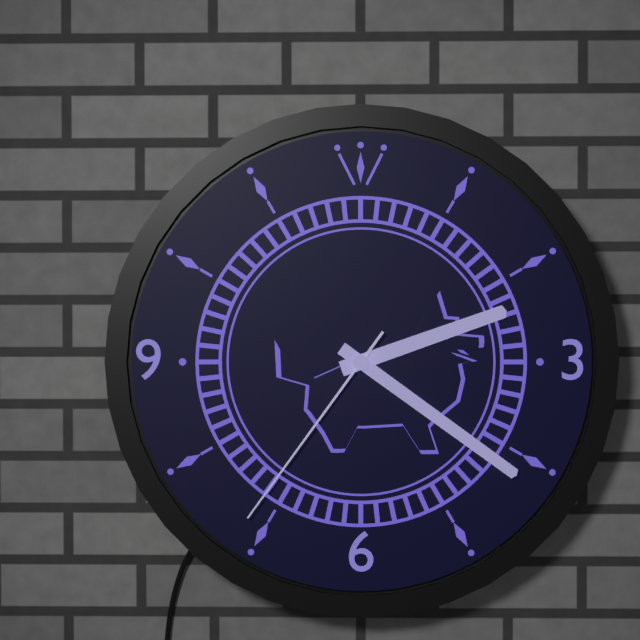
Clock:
2 h 21 min 36 s
